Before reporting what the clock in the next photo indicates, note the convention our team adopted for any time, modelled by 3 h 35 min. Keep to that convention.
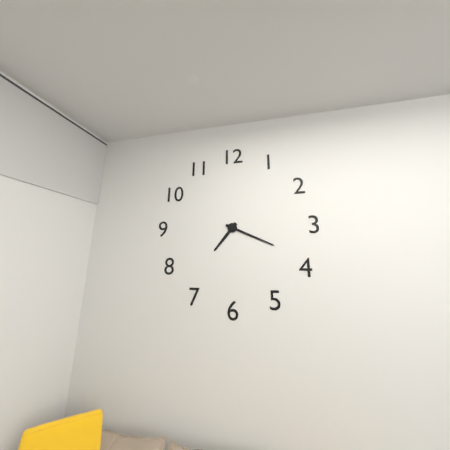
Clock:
7 h 19 min
